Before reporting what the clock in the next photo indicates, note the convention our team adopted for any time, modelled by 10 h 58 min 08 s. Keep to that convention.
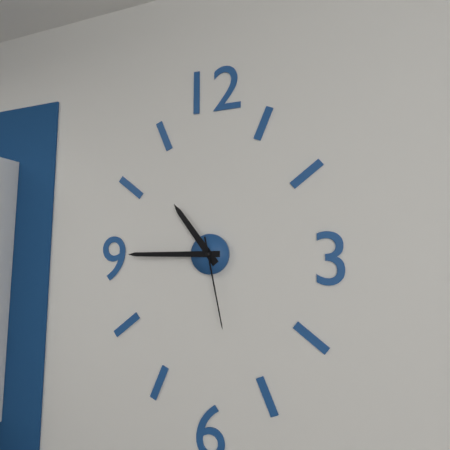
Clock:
10 h 45 min 28 s
